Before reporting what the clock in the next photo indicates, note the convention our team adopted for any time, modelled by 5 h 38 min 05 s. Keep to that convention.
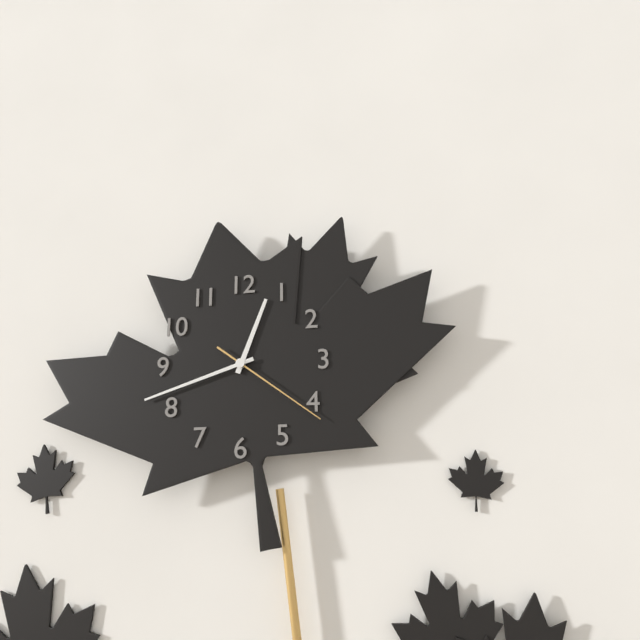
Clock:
12 h 42 min 21 s
